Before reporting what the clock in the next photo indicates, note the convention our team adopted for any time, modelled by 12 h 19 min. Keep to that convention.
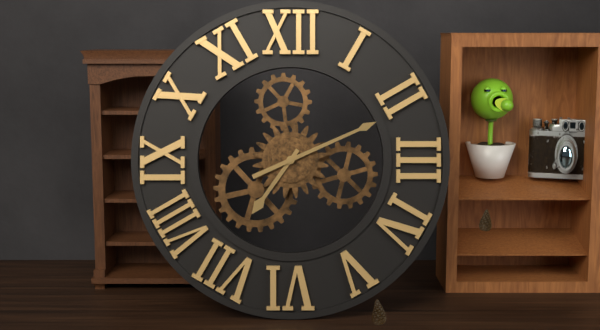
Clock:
7 h 11 min
